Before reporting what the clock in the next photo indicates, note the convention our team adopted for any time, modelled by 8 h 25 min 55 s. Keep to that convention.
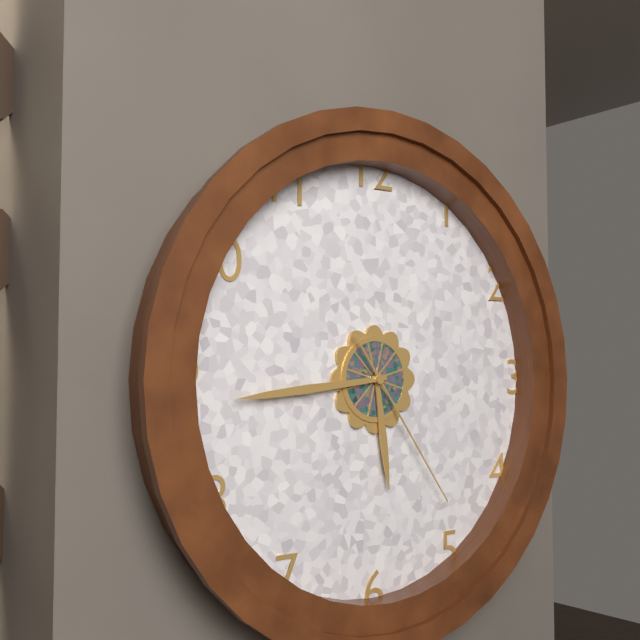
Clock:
5 h 44 min 24 s
